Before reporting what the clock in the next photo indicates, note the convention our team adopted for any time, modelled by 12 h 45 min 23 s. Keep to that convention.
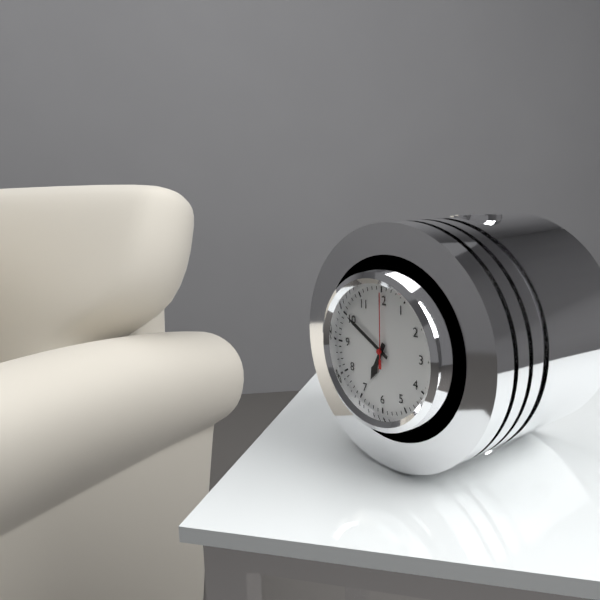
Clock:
6 h 50 min 00 s
